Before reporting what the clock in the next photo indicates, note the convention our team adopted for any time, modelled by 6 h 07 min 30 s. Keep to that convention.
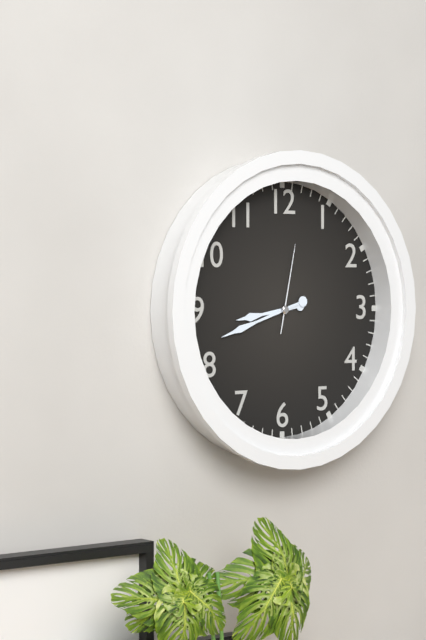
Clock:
8 h 42 min 02 s
